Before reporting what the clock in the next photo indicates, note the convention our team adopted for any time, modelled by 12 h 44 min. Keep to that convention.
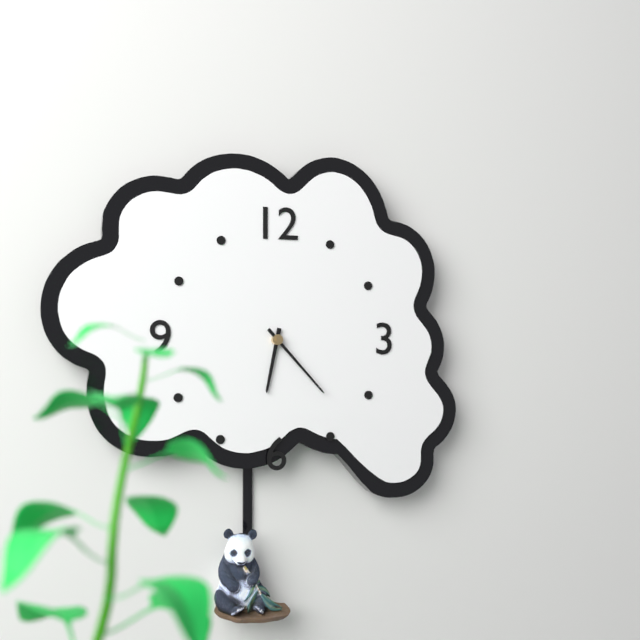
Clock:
6 h 23 min
